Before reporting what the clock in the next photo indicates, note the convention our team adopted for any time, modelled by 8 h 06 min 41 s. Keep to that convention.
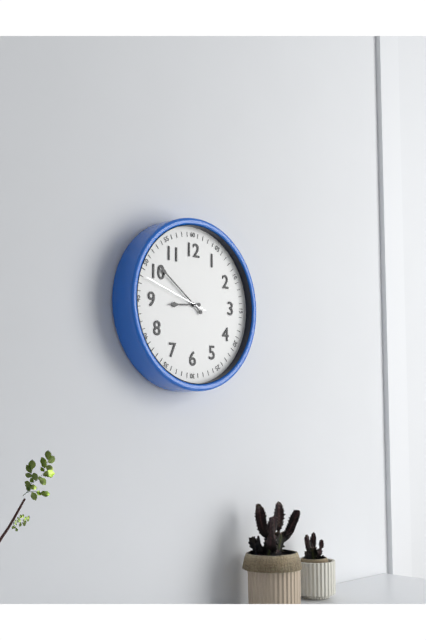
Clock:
8 h 51 min 48 s
